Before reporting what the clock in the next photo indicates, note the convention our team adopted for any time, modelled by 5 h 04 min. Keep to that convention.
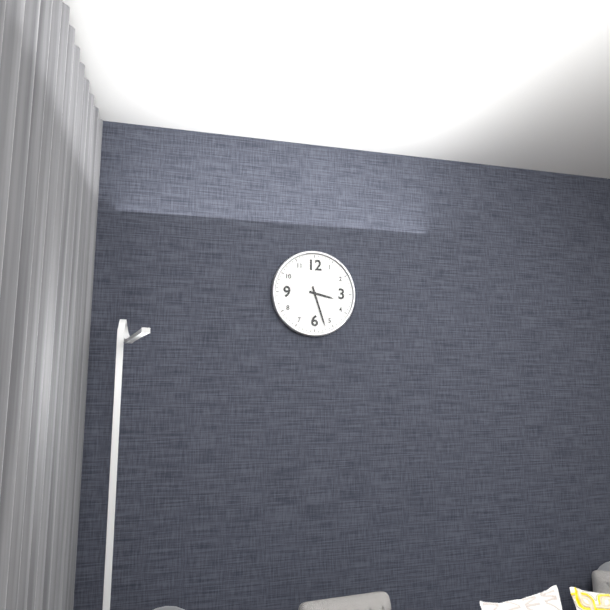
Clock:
3 h 27 min
